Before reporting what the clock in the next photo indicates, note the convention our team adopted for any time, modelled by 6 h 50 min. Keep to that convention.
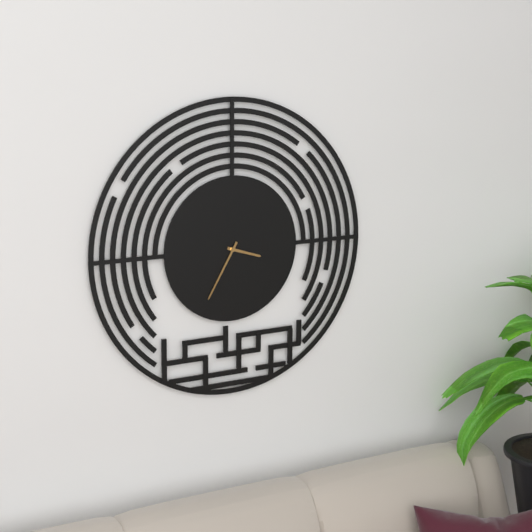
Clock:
3 h 35 min
